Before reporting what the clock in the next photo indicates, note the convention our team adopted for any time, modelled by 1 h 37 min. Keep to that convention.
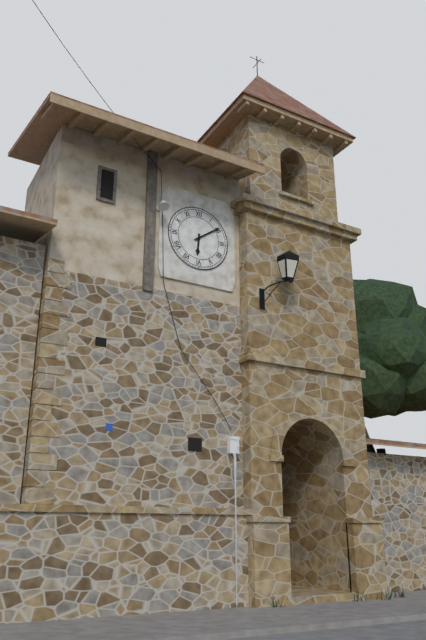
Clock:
6 h 09 min
